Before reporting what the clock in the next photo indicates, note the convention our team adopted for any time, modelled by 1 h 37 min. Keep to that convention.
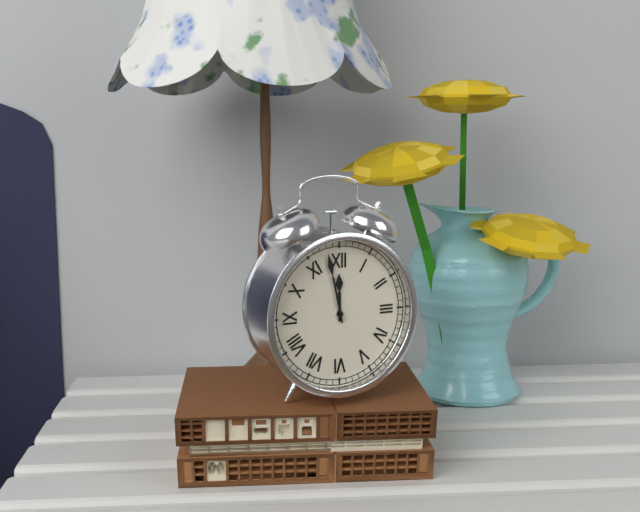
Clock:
11 h 58 min
